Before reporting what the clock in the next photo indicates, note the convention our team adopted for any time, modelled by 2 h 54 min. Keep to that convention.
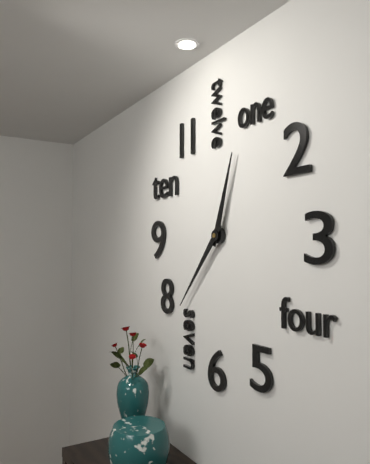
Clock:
12 h 37 min
